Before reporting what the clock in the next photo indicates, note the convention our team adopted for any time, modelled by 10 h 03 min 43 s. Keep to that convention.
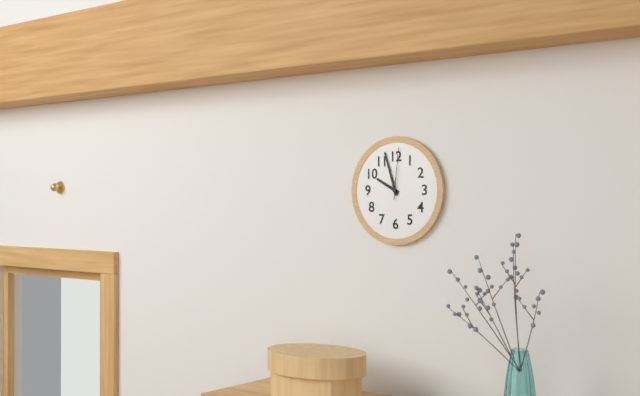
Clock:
9 h 57 min 01 s
